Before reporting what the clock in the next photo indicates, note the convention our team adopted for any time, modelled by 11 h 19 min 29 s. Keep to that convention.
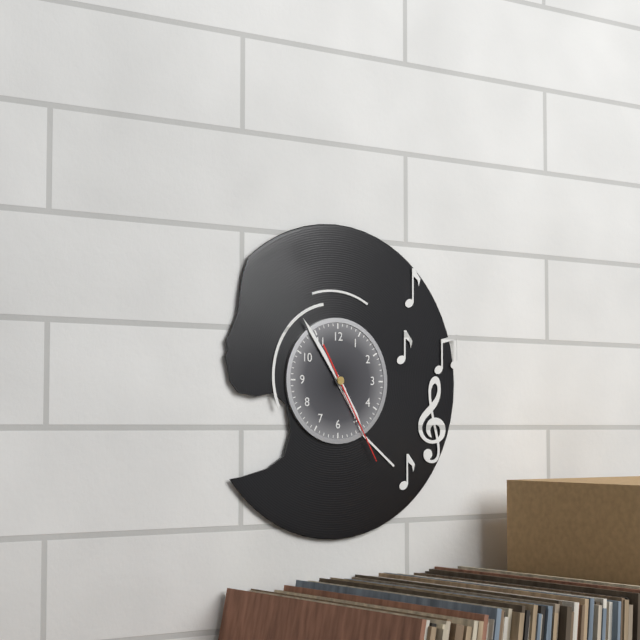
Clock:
4 h 54 min 25 s
